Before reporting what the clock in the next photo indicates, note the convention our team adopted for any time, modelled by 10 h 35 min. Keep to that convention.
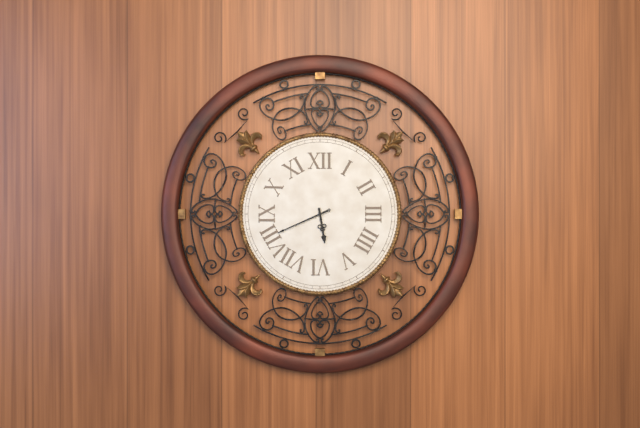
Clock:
5 h 41 min
